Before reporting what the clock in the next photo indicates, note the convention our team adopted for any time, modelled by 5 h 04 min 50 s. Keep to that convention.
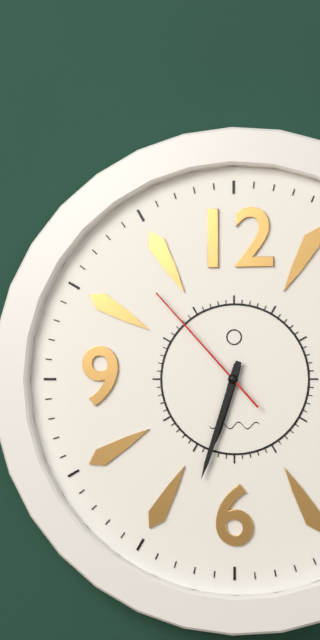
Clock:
6 h 33 min 53 s
